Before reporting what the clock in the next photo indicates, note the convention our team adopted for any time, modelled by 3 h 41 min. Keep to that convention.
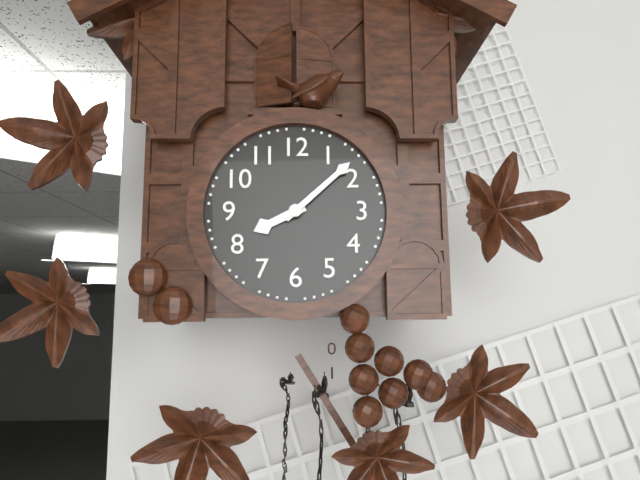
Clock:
8 h 08 min
